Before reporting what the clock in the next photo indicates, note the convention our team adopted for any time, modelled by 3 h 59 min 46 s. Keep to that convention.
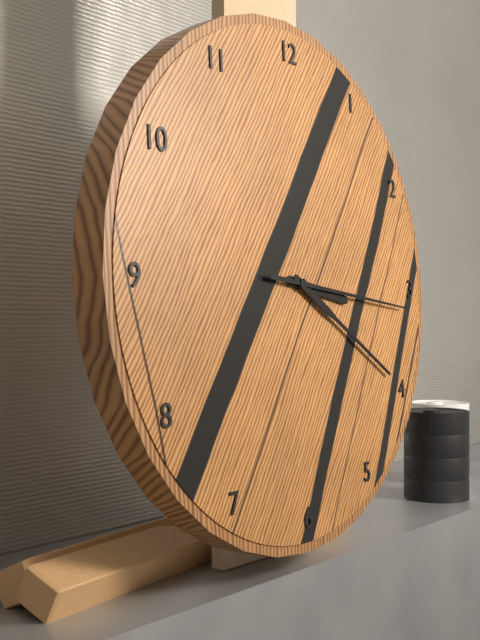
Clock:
3 h 20 min 16 s
